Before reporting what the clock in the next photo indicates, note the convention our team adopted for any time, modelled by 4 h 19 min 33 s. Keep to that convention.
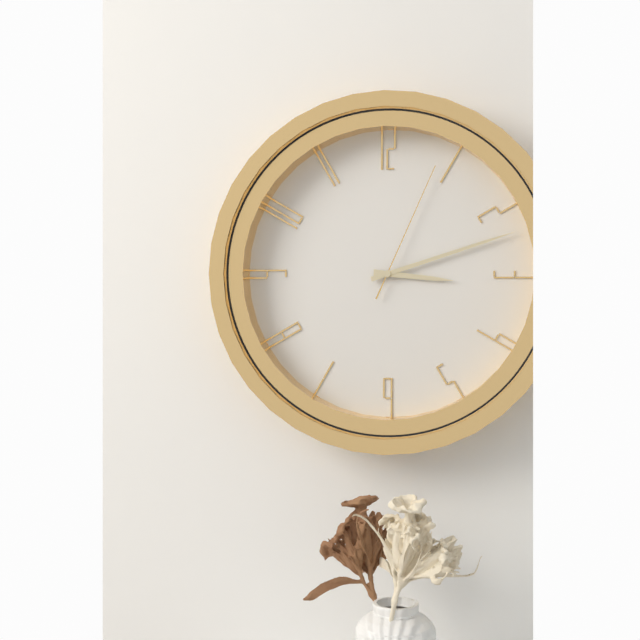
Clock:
3 h 12 min 04 s
